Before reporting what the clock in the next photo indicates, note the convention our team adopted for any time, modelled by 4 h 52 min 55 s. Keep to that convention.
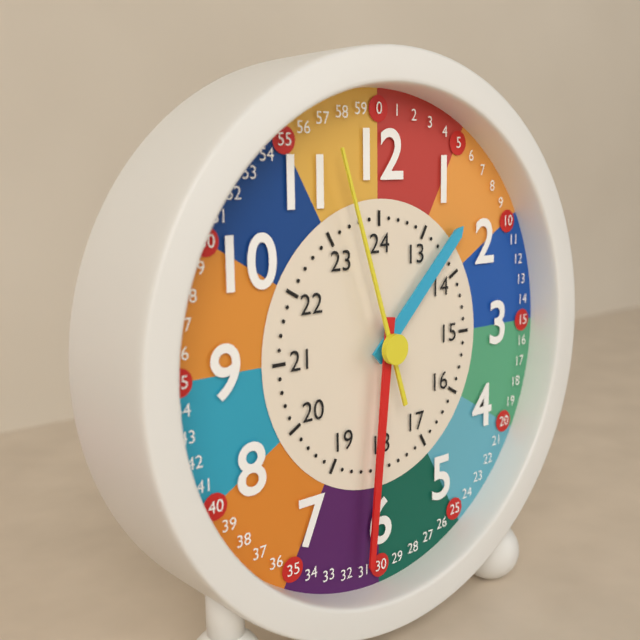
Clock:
1 h 31 min 57 s
